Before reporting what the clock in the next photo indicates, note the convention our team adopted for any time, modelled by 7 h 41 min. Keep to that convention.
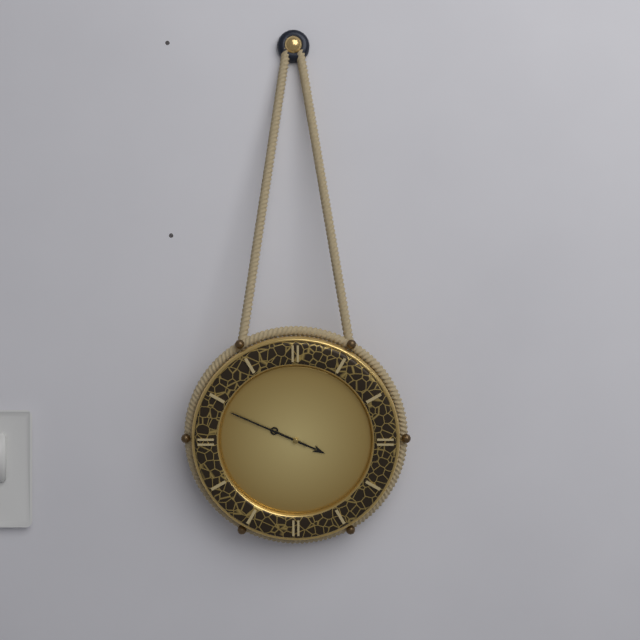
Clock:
3 h 49 min
